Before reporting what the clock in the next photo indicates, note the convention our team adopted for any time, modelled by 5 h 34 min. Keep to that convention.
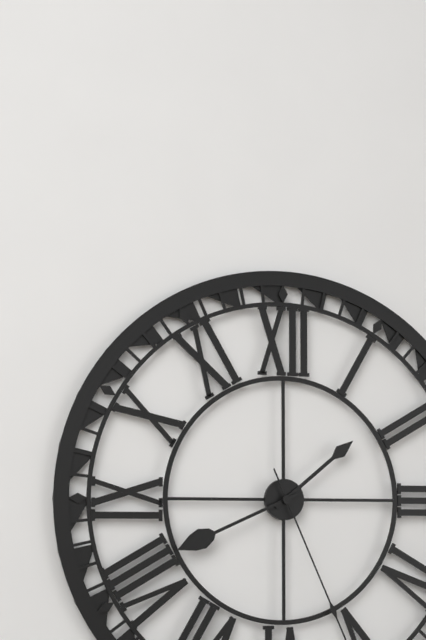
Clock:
1 h 41 min
